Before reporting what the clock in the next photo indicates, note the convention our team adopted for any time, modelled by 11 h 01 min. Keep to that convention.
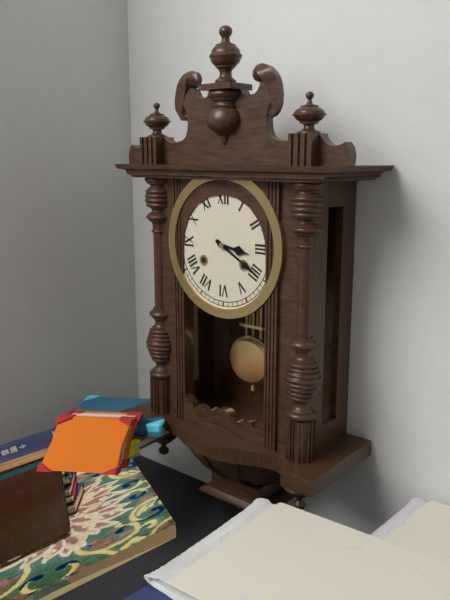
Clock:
3 h 20 min
